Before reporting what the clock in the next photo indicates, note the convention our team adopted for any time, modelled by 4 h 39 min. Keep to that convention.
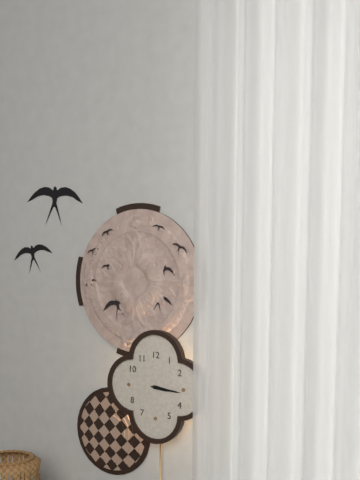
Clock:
3 h 16 min
